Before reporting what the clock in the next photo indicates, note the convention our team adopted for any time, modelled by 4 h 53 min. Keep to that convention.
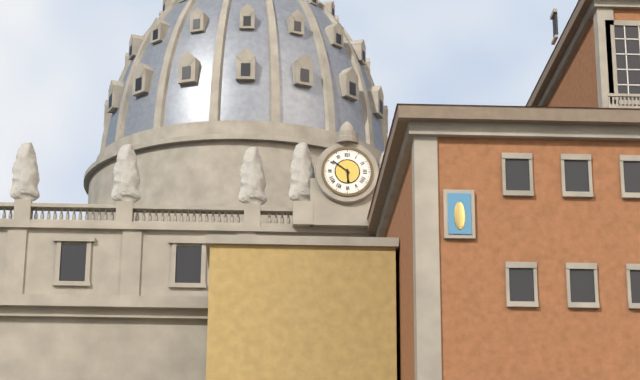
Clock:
5 h 51 min
